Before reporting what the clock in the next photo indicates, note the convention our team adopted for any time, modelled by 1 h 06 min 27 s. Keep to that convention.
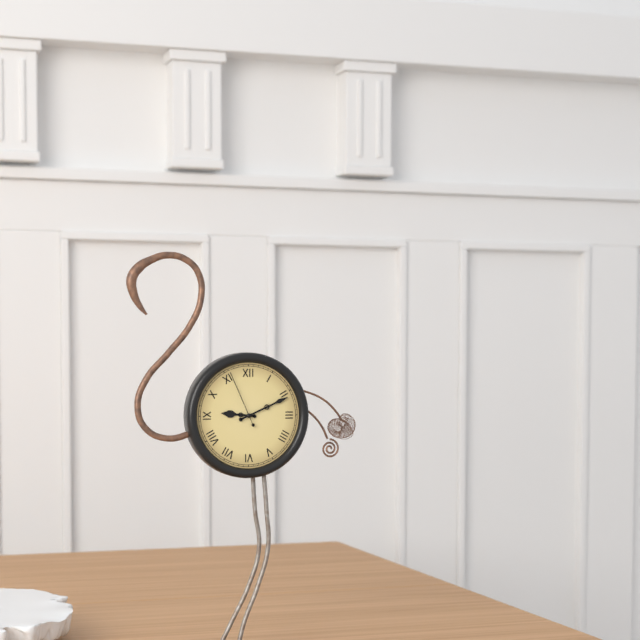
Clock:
9 h 11 min 56 s
